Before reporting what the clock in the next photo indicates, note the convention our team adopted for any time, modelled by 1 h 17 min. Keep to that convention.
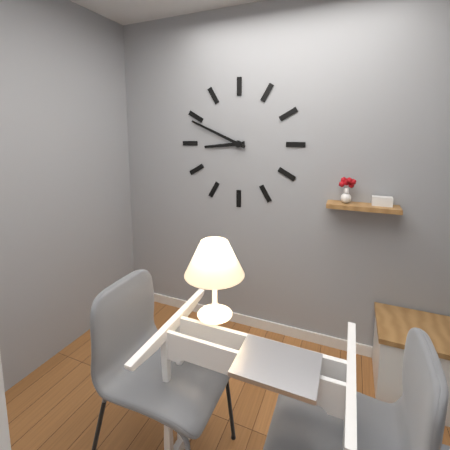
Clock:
8 h 49 min
